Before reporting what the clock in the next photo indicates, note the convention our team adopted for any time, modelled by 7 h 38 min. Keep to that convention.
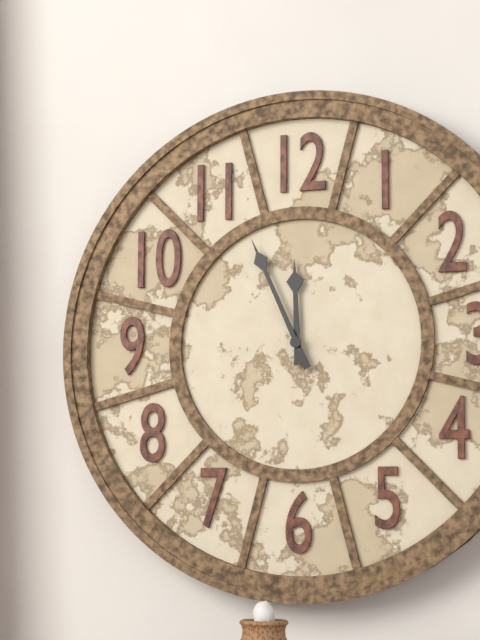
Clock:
11 h 56 min
